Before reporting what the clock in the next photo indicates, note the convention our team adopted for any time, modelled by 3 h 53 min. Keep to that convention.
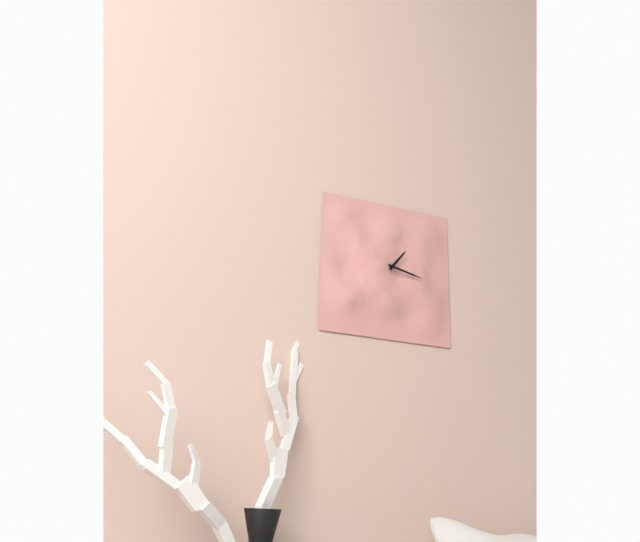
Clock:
1 h 17 min
